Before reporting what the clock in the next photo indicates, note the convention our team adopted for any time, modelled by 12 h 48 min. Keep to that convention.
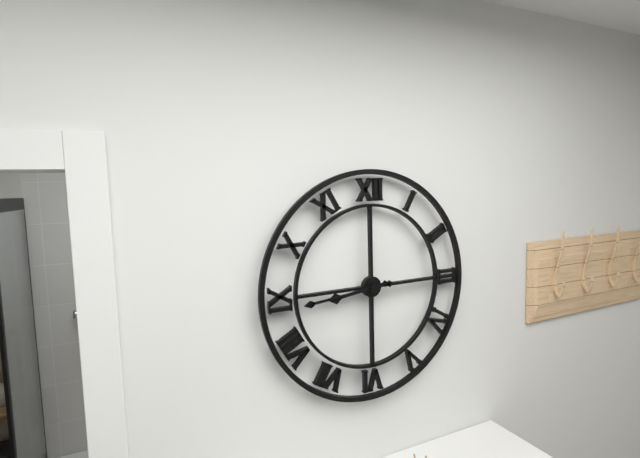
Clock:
8 h 44 min
